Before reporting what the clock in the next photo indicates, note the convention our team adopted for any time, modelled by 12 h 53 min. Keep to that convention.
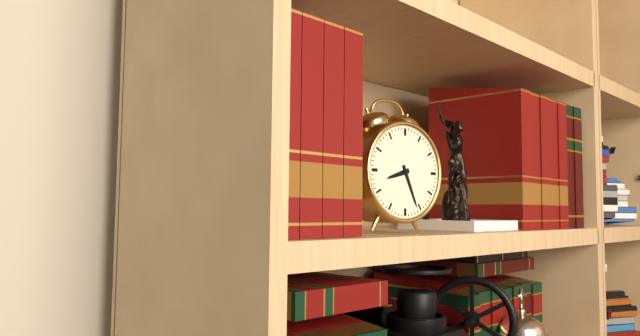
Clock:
8 h 26 min
